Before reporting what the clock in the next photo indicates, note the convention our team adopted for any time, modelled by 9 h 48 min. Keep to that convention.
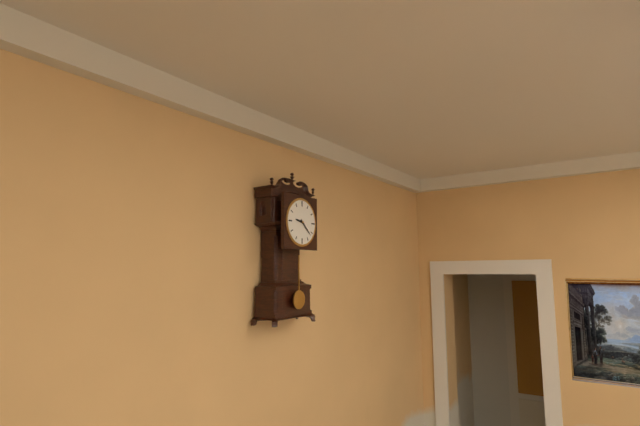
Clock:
9 h 22 min
